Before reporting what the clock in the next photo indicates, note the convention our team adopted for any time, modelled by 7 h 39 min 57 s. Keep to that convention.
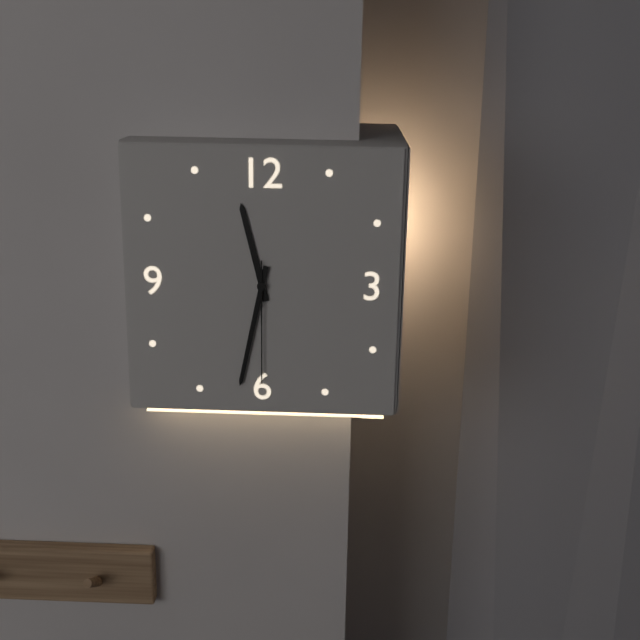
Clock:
11 h 32 min 30 s
